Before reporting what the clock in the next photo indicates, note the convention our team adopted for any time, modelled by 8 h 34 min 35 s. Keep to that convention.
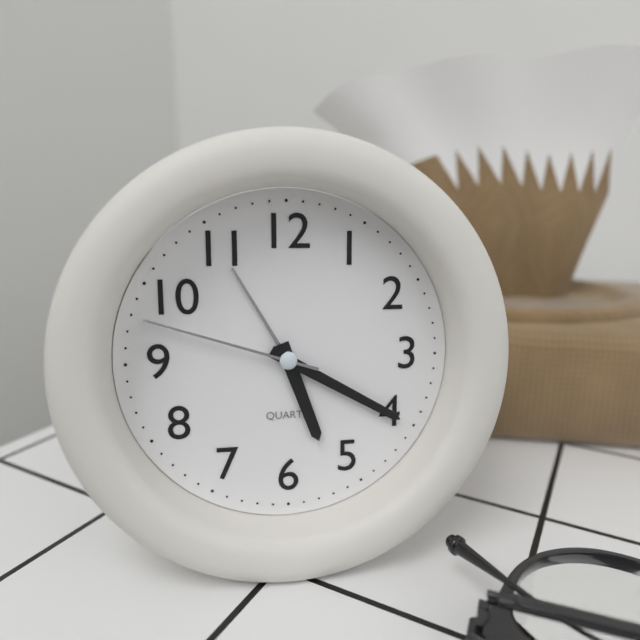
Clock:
5 h 20 min 48 s
